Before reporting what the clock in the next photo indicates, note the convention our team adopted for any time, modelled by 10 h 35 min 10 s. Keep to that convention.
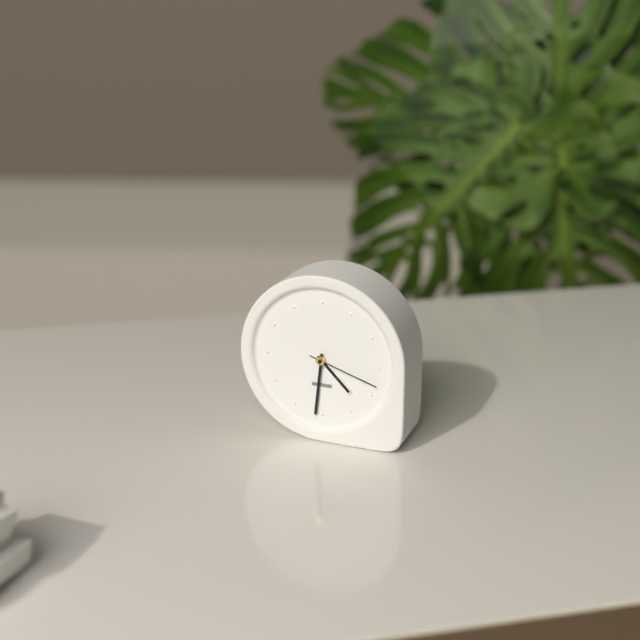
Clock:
4 h 31 min 18 s
